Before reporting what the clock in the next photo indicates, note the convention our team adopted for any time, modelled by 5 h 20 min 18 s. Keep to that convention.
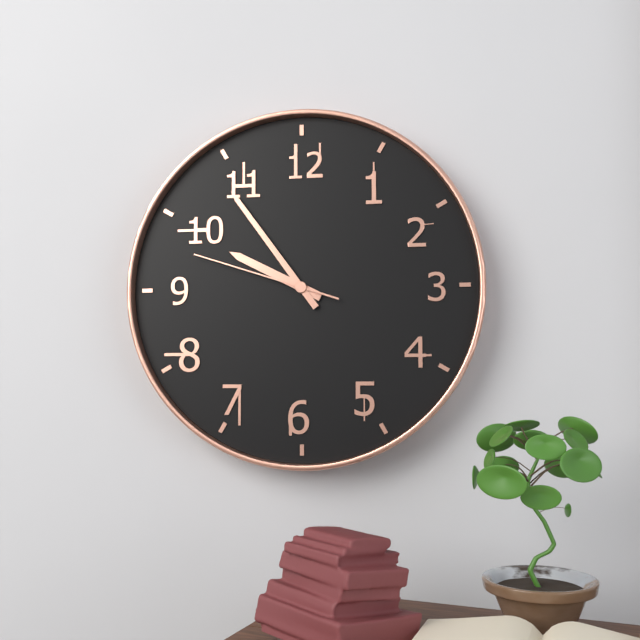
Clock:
9 h 54 min 48 s
